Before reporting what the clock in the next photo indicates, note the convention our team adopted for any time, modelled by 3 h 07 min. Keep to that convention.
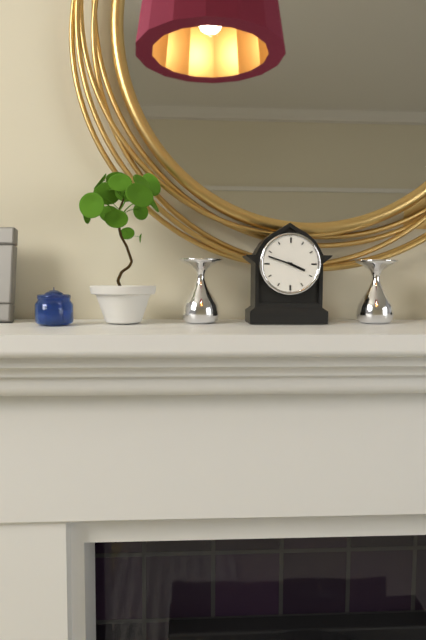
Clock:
3 h 48 min
